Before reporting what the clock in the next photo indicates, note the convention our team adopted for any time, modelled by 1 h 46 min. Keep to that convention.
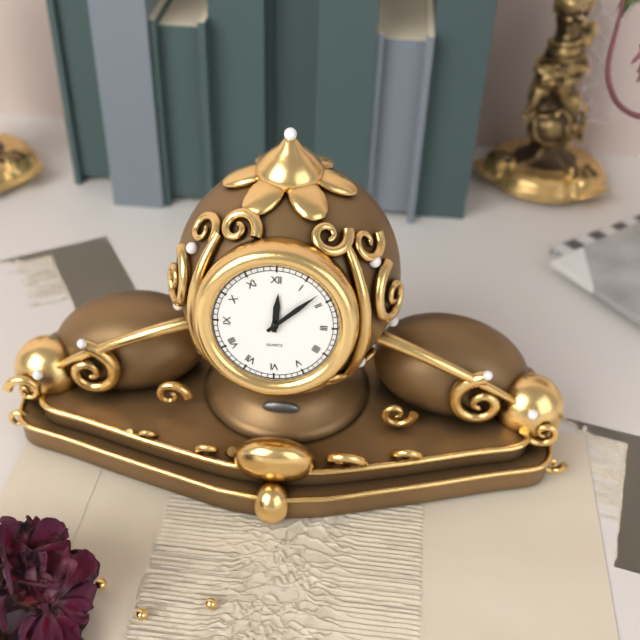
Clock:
12 h 08 min
